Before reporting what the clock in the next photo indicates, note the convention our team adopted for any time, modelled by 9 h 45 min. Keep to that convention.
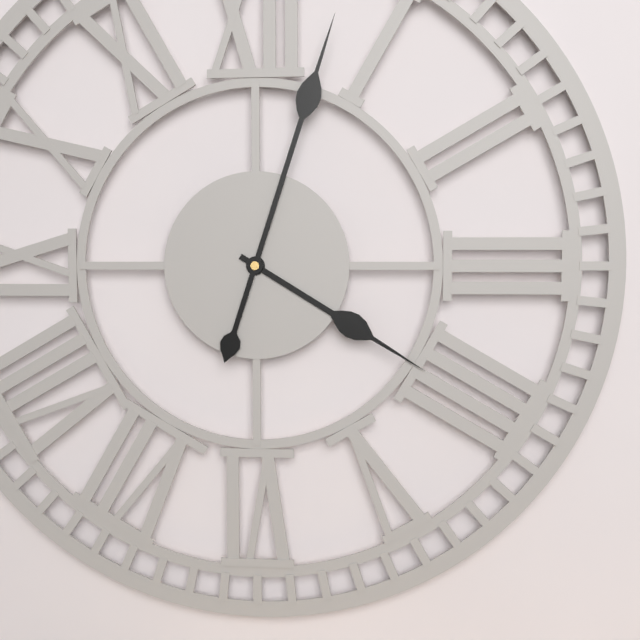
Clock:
4 h 03 min
